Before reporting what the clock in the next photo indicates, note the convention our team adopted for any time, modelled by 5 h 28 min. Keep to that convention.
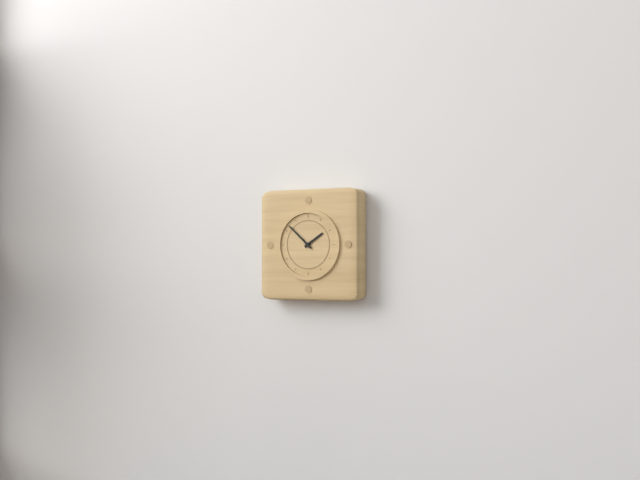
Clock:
1 h 52 min
